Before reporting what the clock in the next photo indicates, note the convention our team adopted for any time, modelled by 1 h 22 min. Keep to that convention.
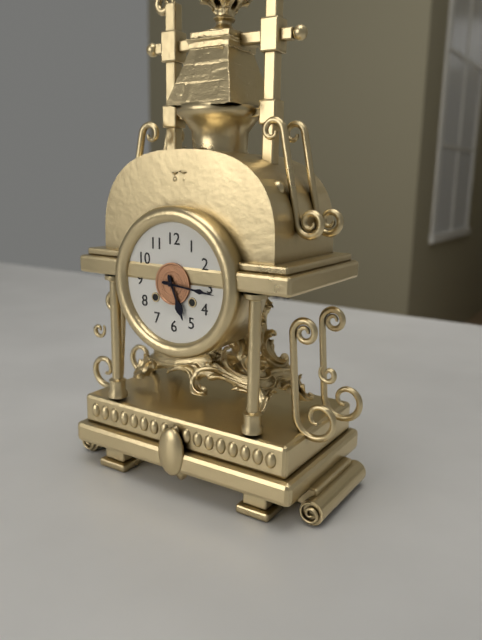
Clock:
5 h 16 min
